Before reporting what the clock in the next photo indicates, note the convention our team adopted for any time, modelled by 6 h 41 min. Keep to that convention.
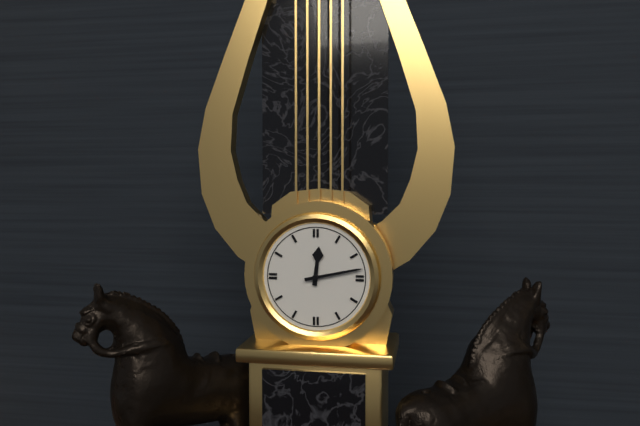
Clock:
12 h 13 min
